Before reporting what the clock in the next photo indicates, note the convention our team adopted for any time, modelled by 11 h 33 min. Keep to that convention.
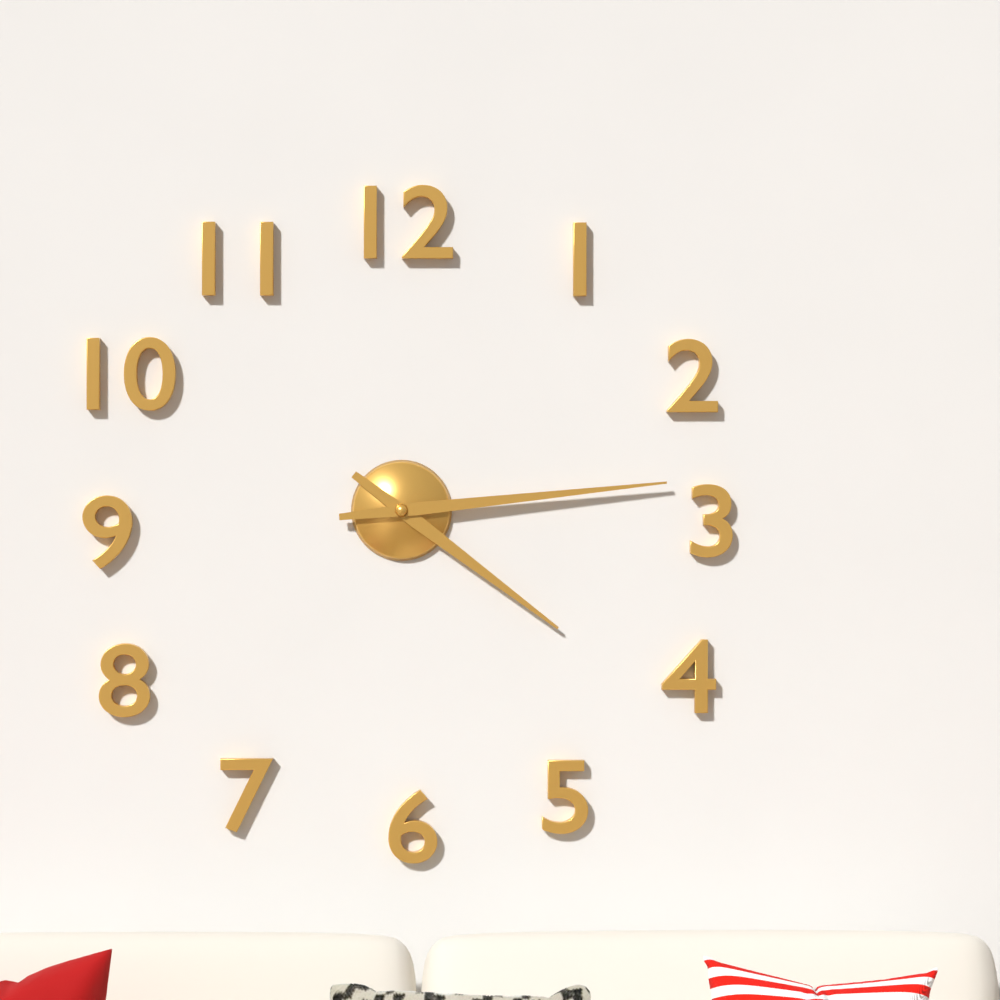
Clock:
4 h 14 min
